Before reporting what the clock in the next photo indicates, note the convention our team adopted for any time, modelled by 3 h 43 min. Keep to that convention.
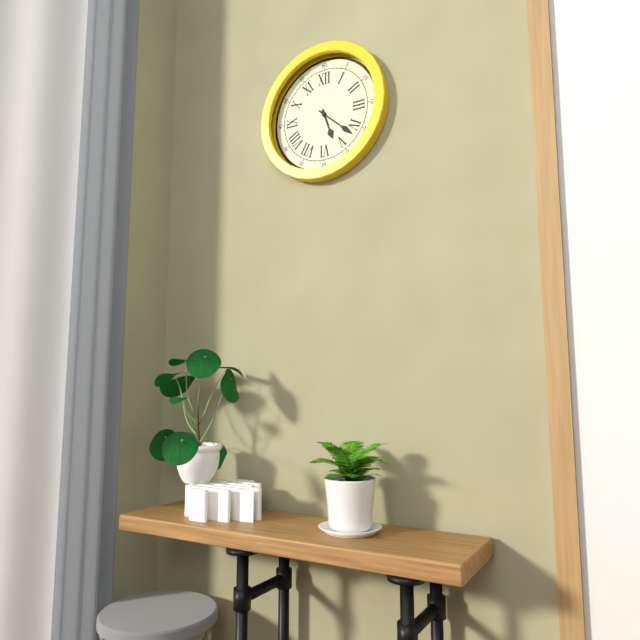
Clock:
5 h 22 min
